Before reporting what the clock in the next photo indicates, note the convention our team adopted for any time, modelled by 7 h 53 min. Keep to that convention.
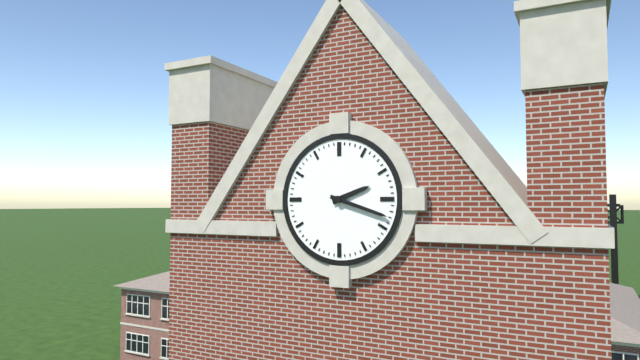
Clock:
2 h 18 min
